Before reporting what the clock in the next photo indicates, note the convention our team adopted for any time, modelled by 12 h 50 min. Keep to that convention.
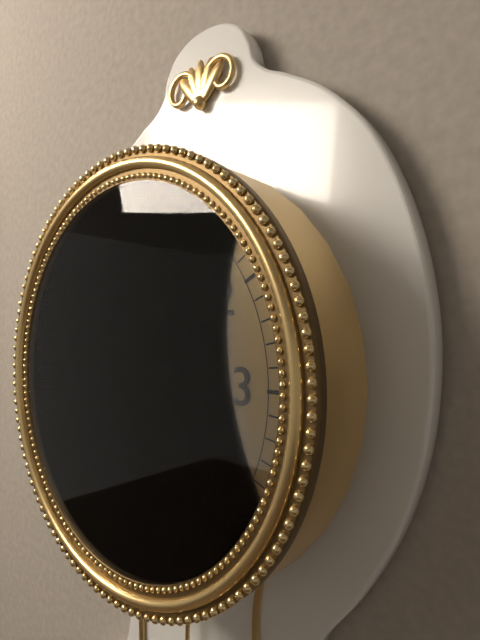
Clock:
5 h 57 min
